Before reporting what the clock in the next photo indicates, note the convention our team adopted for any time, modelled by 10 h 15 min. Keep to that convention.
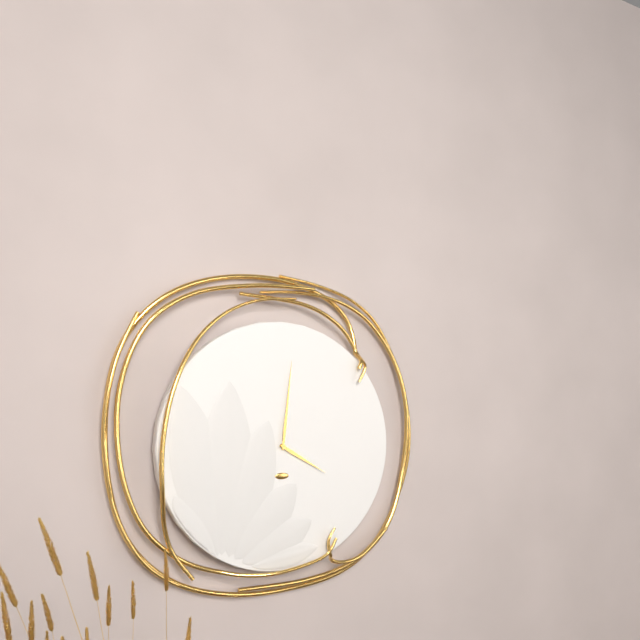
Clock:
4 h 01 min
